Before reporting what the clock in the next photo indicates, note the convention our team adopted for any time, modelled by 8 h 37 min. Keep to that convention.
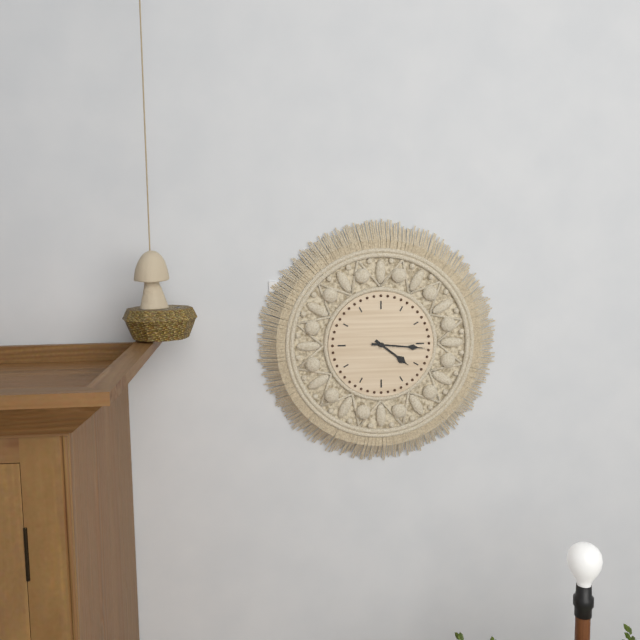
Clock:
4 h 16 min
